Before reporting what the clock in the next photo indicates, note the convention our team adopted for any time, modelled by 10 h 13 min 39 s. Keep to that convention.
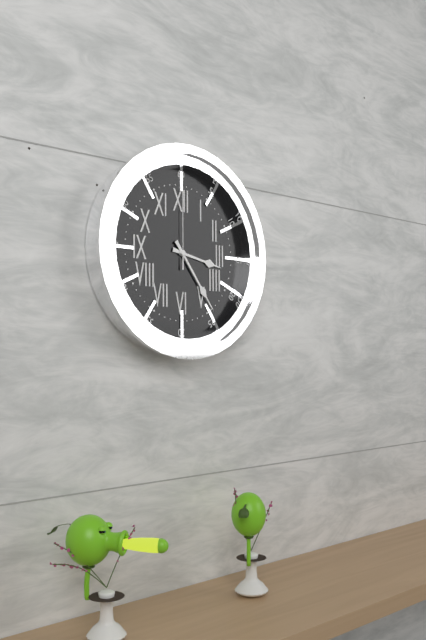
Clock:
3 h 24 min 00 s
